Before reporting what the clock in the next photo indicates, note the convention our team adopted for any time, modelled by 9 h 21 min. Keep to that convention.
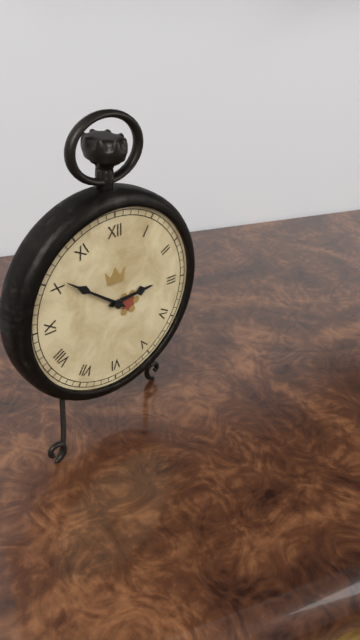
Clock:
2 h 51 min
